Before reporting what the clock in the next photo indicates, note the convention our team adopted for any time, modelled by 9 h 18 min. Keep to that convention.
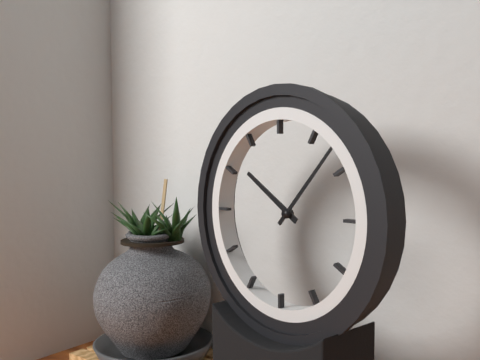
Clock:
10 h 07 min
